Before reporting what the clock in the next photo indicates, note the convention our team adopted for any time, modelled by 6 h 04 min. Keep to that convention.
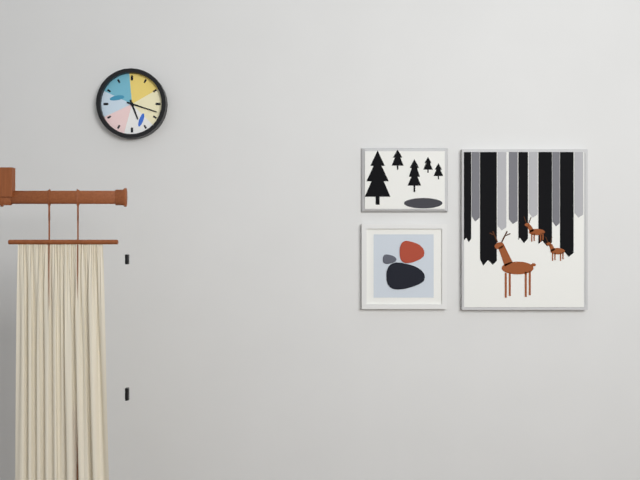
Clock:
5 h 18 min
